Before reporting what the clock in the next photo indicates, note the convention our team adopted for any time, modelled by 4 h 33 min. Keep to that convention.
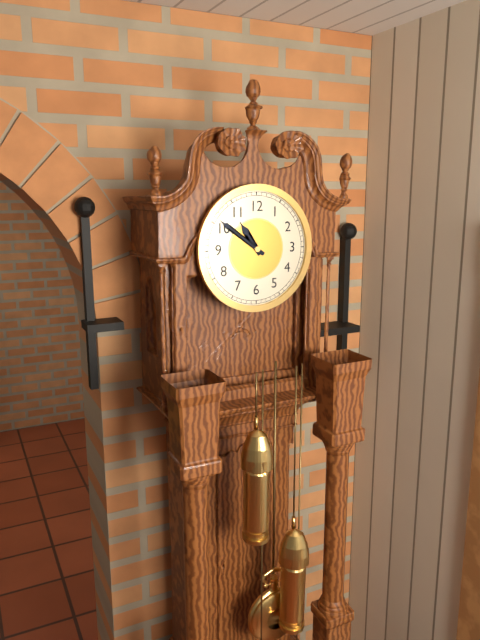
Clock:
10 h 51 min
